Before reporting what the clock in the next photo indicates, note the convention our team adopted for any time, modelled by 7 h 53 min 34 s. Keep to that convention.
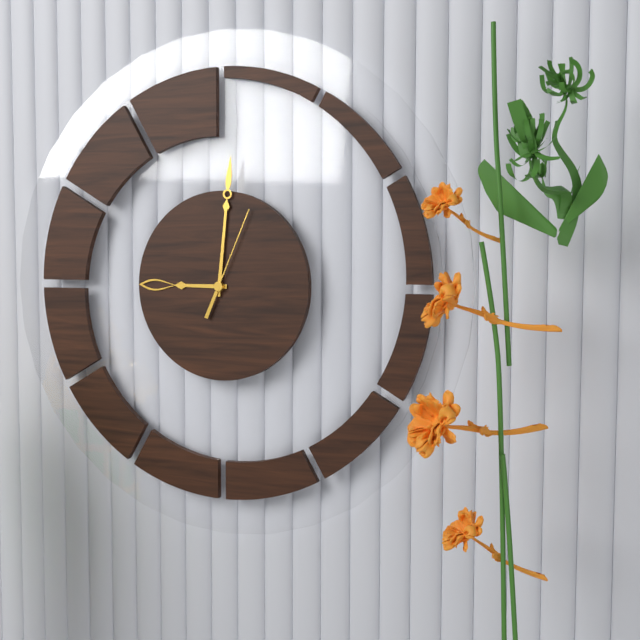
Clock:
9 h 01 min 04 s
